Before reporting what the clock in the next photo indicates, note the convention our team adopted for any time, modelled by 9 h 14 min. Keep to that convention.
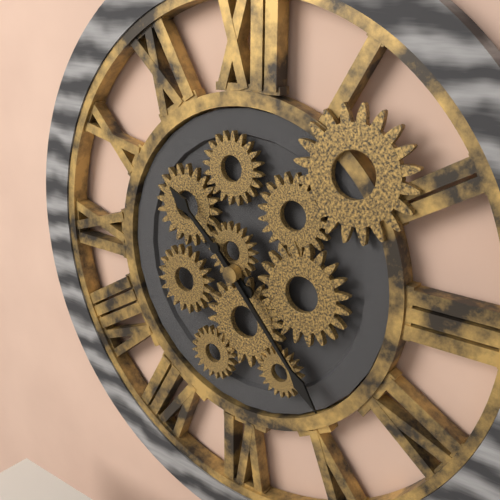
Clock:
10 h 23 min
